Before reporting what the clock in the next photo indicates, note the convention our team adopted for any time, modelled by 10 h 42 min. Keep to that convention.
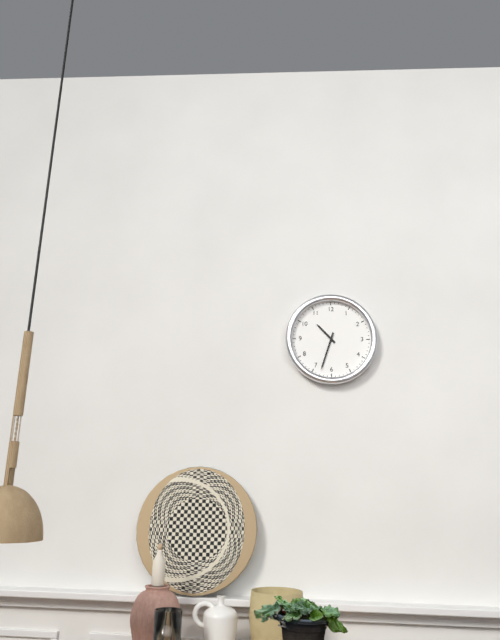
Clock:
10 h 33 min
